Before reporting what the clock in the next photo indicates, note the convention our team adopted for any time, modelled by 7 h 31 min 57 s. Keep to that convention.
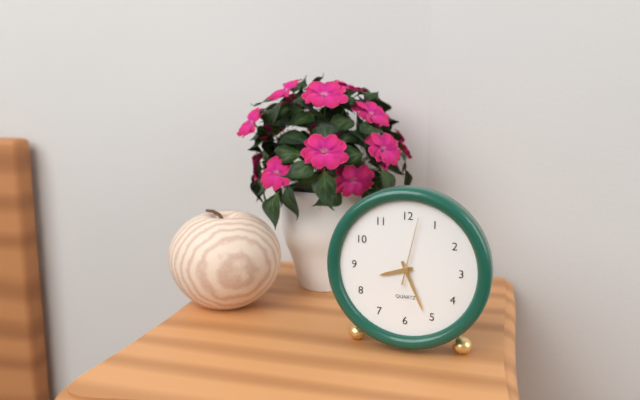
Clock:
8 h 26 min 02 s
